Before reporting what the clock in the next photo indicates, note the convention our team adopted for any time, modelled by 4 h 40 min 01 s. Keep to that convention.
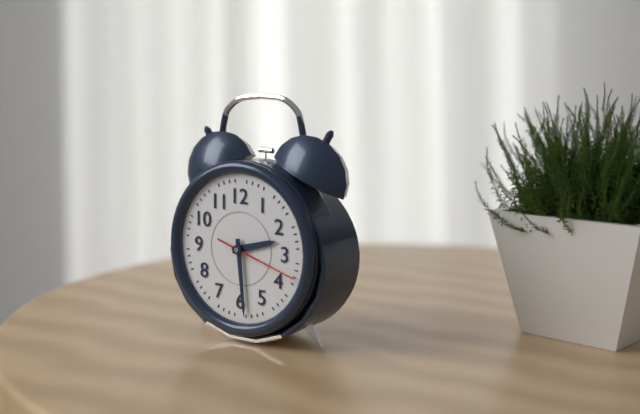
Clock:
2 h 29 min 18 s
